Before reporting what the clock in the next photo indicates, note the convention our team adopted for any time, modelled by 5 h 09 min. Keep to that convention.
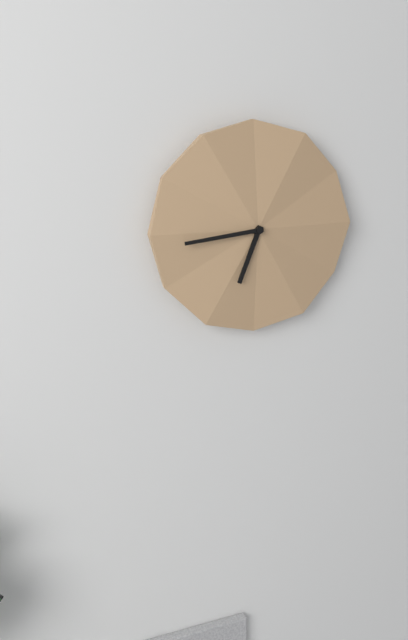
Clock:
6 h 44 min
